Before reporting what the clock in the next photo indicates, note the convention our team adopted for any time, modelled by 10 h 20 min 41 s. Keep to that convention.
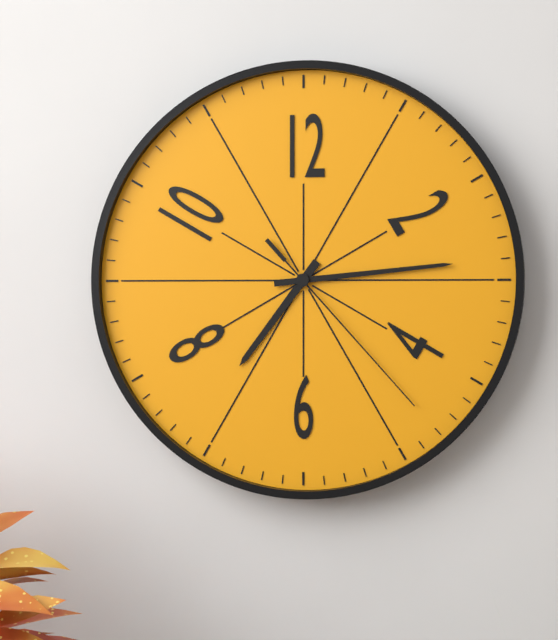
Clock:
7 h 14 min 23 s
